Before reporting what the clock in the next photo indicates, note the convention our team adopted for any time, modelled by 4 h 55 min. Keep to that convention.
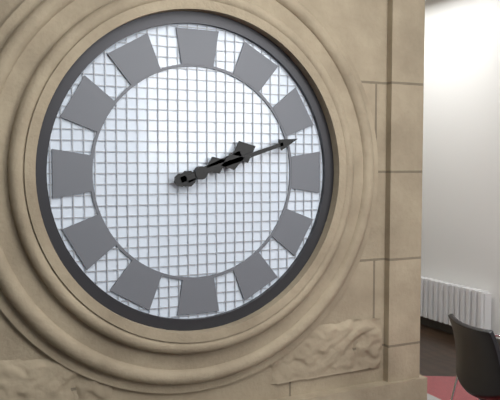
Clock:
2 h 12 min
